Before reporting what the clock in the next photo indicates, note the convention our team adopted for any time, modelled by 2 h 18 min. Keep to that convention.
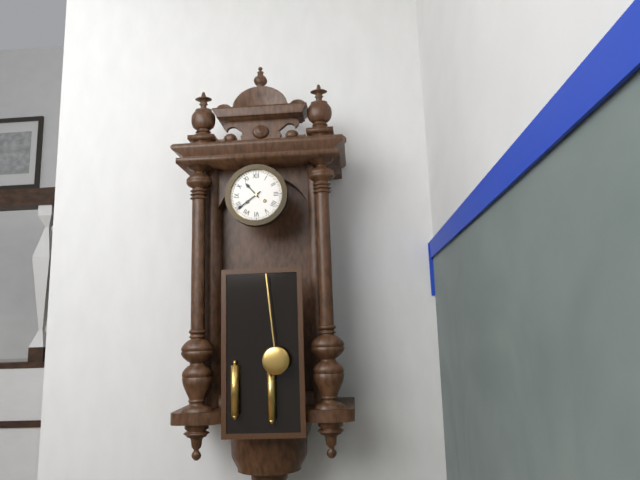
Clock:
10 h 39 min
